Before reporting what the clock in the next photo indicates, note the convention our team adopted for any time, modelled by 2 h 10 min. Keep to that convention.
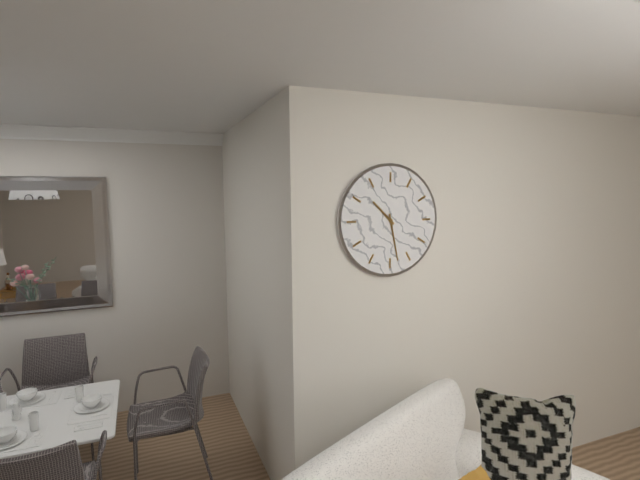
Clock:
10 h 28 min
